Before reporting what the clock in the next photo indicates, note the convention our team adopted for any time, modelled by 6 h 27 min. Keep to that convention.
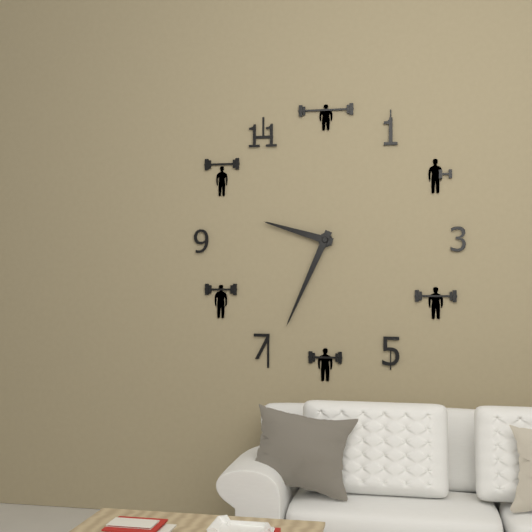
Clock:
9 h 34 min
